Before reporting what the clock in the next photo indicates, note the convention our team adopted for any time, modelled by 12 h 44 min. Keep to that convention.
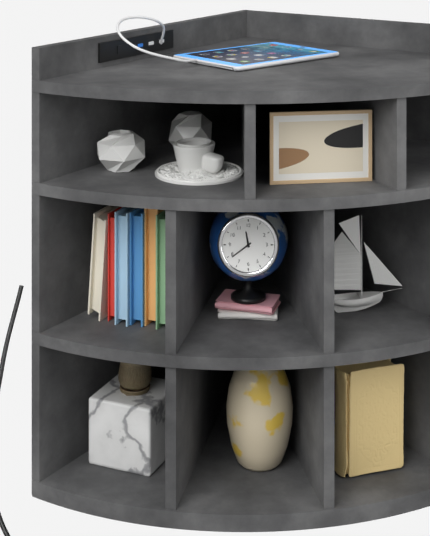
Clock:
11 h 39 min
